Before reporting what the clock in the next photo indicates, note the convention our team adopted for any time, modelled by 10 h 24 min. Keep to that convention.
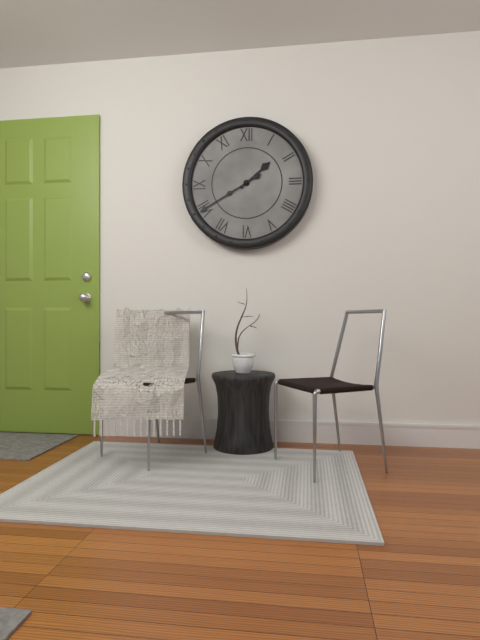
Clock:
1 h 40 min
